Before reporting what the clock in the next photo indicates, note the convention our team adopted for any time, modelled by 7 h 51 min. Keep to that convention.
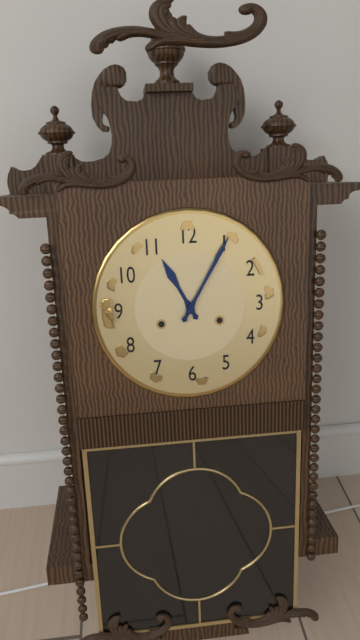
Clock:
11 h 05 min
